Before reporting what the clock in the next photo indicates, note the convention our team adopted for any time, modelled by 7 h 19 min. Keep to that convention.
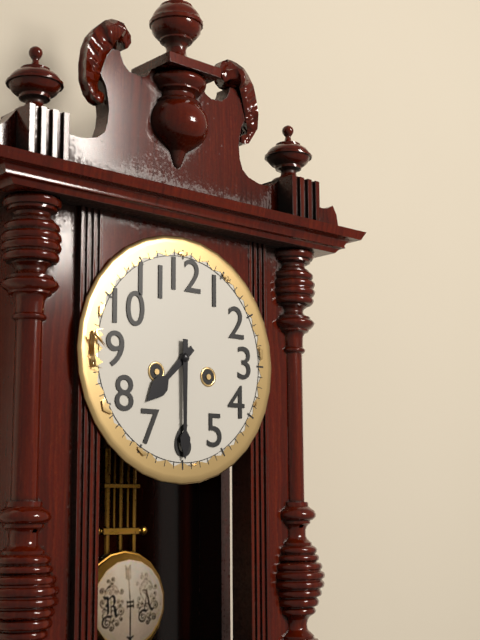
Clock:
7 h 30 min
